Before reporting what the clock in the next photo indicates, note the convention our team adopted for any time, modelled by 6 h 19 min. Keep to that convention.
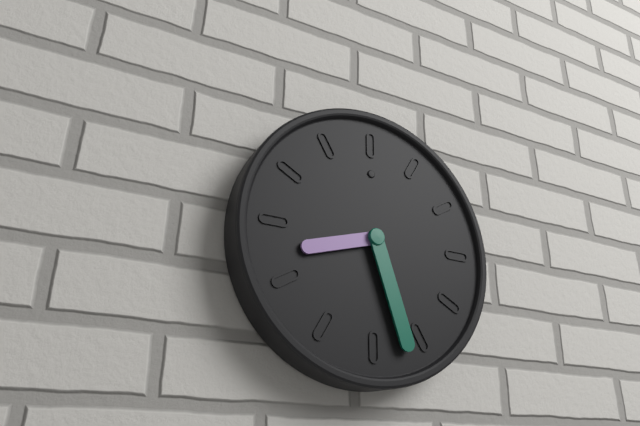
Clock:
8 h 27 min
